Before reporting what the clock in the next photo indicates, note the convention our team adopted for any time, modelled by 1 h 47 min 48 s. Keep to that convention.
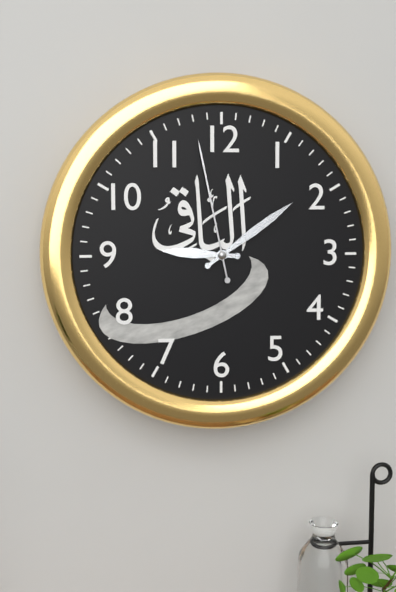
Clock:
9 h 09 min 58 s
